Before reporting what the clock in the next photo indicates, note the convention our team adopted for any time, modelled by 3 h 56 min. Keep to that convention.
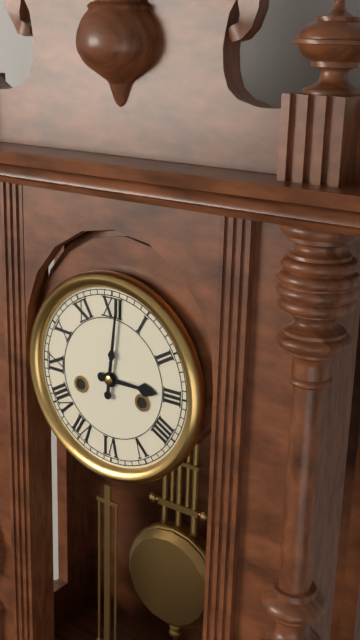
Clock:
3 h 01 min
